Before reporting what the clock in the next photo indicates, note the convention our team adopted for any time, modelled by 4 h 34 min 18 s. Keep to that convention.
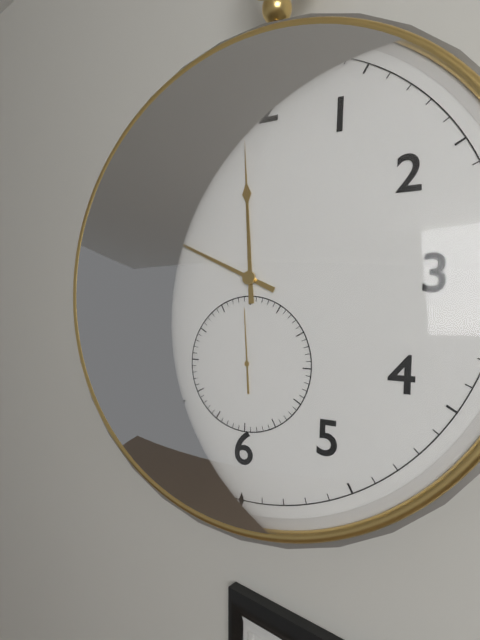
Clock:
11 h 49 min 59 s
